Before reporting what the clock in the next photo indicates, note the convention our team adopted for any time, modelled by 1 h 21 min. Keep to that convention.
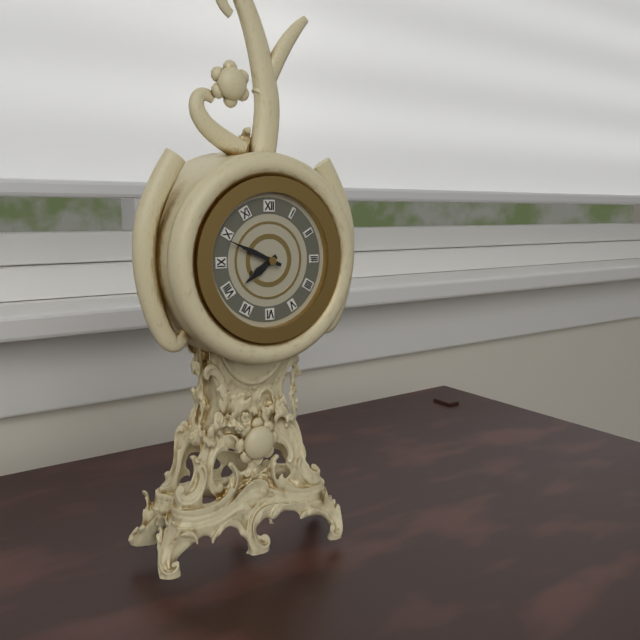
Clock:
7 h 49 min
